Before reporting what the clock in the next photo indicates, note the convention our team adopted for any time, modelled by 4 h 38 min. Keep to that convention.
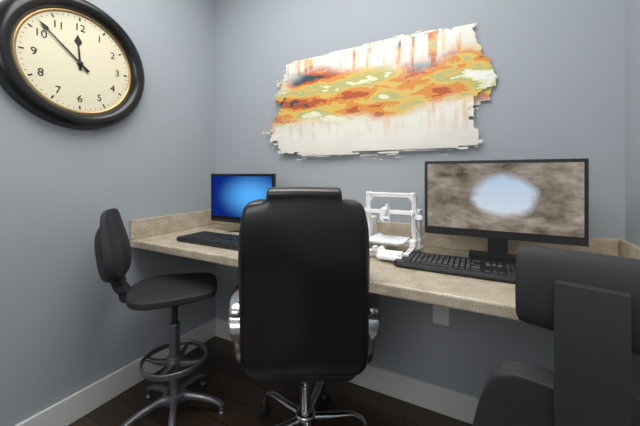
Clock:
11 h 52 min
